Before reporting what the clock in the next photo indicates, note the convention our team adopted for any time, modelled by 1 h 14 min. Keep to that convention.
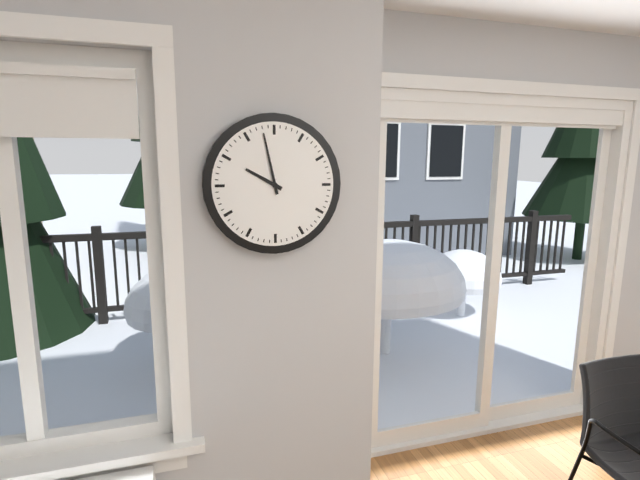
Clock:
9 h 58 min
